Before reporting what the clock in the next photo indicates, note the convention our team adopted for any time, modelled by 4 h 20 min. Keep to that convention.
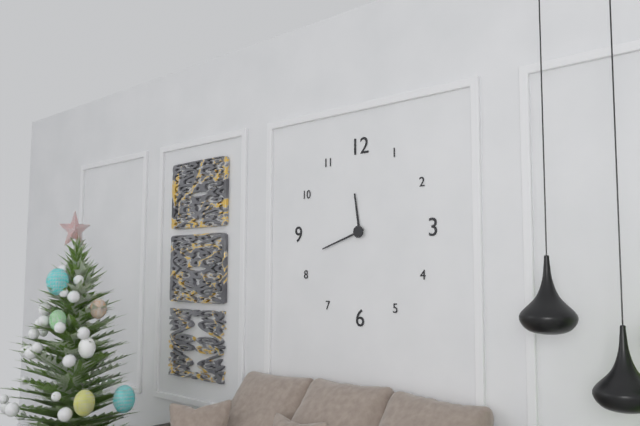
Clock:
11 h 42 min
